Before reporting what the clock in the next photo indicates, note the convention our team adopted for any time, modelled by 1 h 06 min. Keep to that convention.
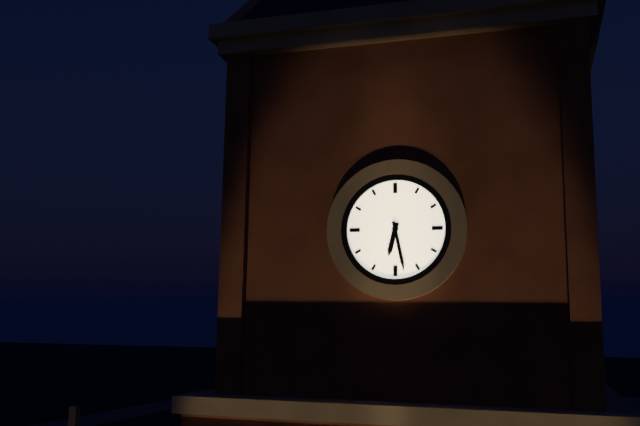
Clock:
6 h 28 min
